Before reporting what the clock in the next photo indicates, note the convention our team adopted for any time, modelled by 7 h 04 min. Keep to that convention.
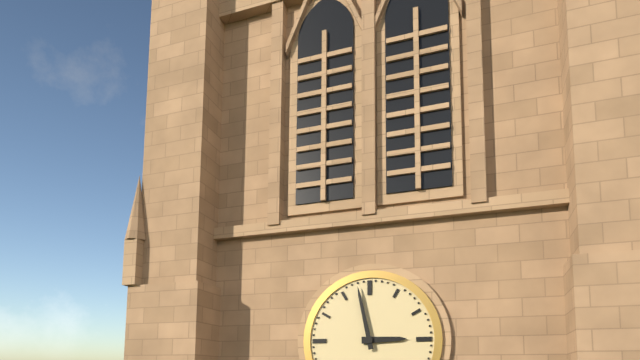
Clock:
2 h 58 min
